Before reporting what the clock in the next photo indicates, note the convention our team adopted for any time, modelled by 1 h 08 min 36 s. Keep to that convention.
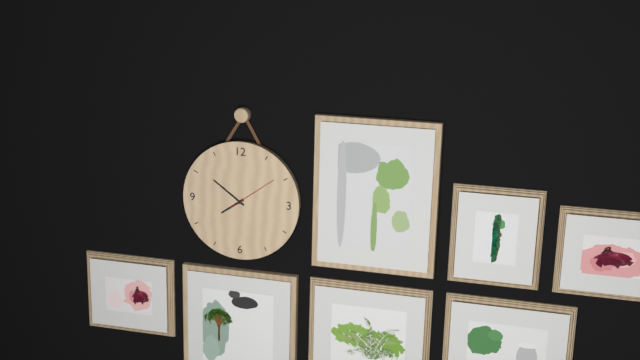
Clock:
7 h 51 min 09 s
